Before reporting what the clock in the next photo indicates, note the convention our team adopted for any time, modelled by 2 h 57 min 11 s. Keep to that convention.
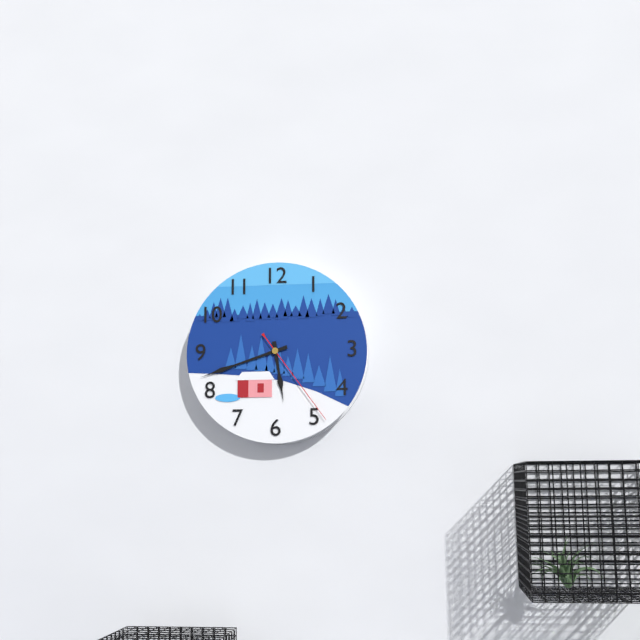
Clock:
5 h 42 min 24 s
